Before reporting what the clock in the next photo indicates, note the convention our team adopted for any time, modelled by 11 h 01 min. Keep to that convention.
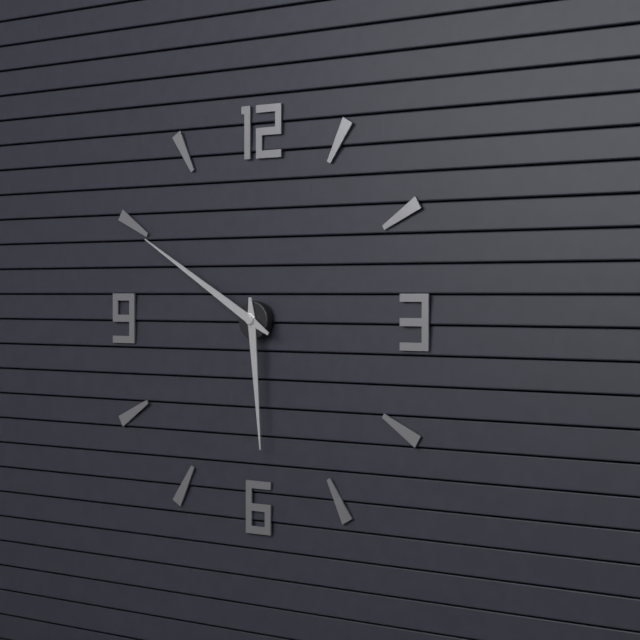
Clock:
5 h 50 min
